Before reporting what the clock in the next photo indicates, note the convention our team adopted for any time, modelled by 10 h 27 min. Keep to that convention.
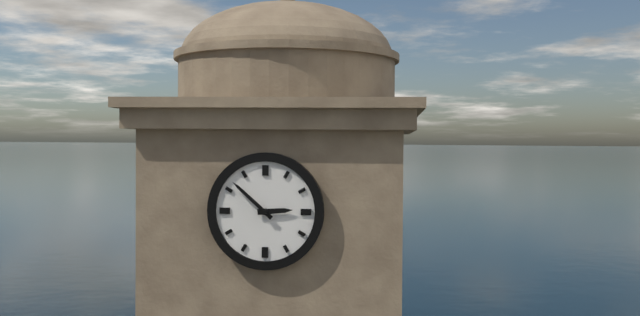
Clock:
2 h 52 min
